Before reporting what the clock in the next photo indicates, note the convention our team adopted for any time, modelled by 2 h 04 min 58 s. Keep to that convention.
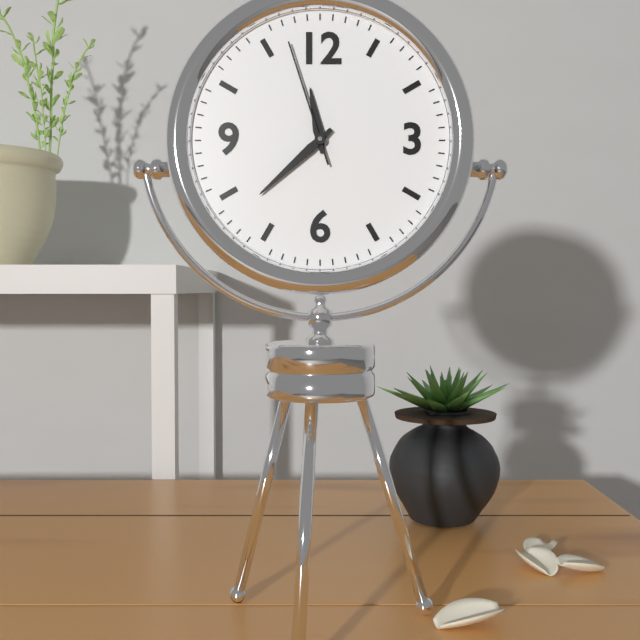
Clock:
11 h 38 min 57 s
